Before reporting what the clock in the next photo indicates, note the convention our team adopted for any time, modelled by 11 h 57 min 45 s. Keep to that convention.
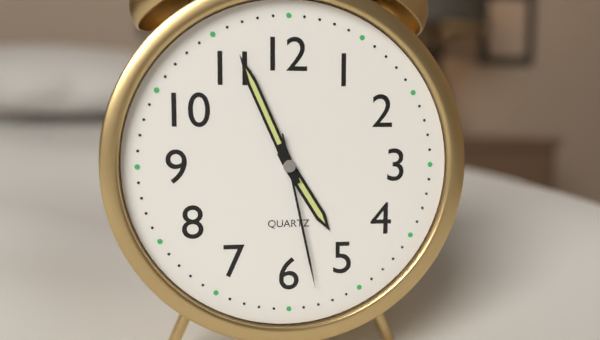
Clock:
4 h 56 min 28 s
